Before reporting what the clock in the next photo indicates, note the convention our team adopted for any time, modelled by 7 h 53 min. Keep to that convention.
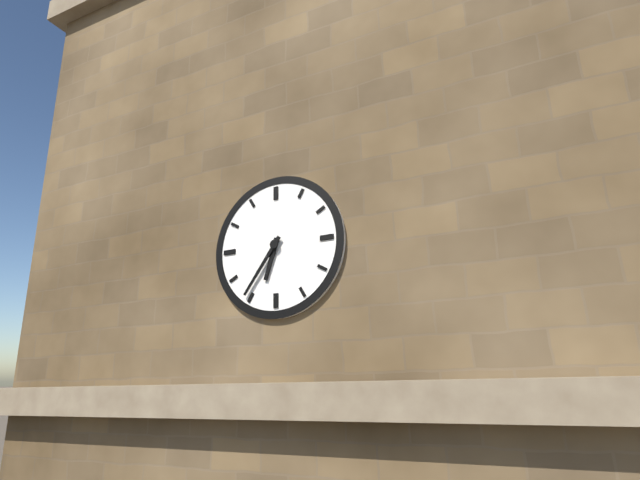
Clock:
6 h 36 min
